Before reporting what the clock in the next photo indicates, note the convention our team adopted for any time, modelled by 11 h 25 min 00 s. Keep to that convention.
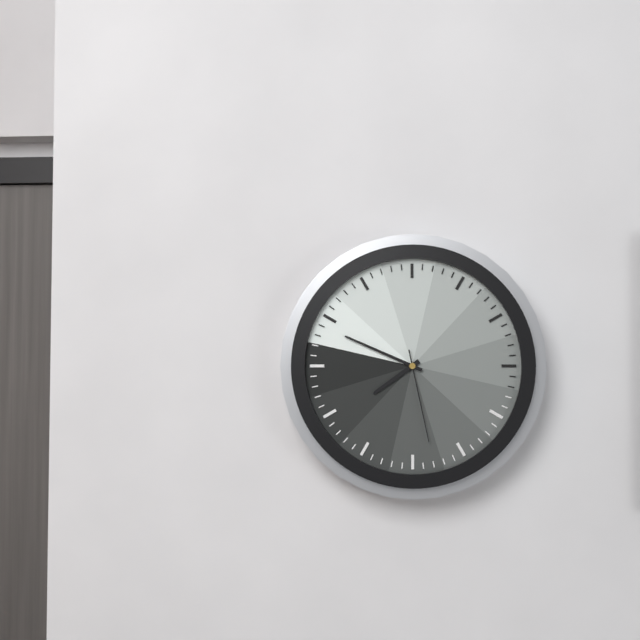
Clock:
7 h 49 min 28 s
